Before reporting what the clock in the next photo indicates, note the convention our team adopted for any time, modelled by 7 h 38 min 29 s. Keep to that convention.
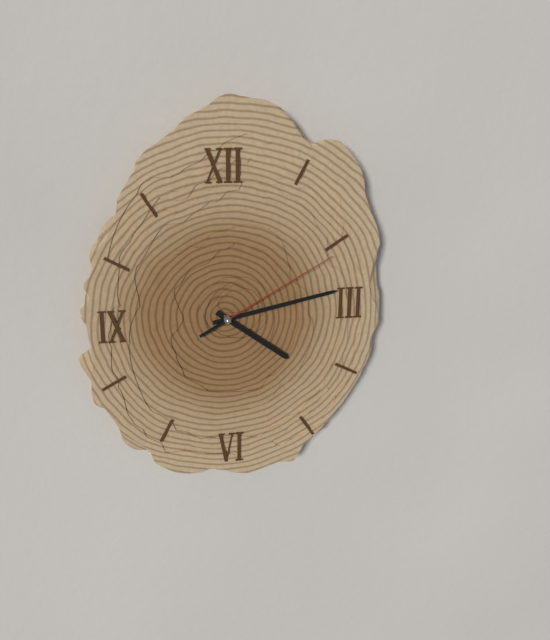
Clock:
4 h 13 min 10 s
